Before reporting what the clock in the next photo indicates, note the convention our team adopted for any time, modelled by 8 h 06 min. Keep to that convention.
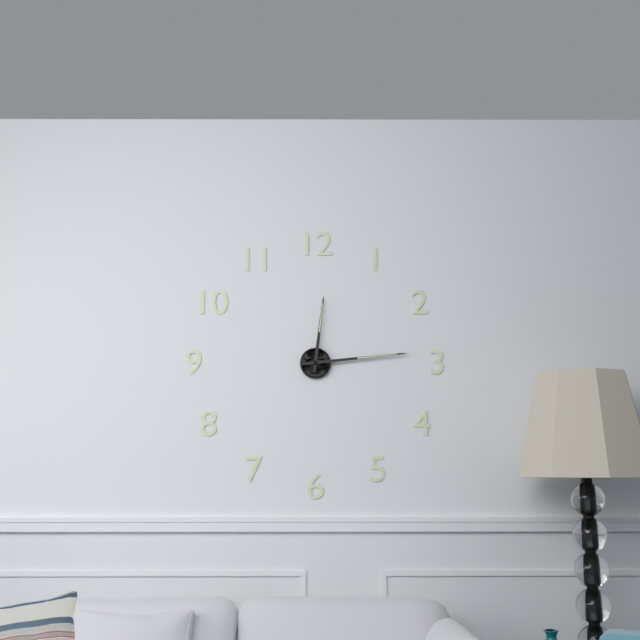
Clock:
12 h 14 min
